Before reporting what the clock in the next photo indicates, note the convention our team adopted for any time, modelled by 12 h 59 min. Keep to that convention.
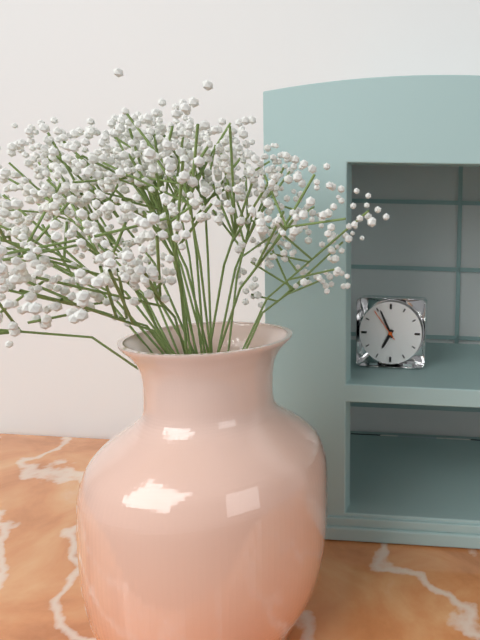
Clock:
6 h 56 min
